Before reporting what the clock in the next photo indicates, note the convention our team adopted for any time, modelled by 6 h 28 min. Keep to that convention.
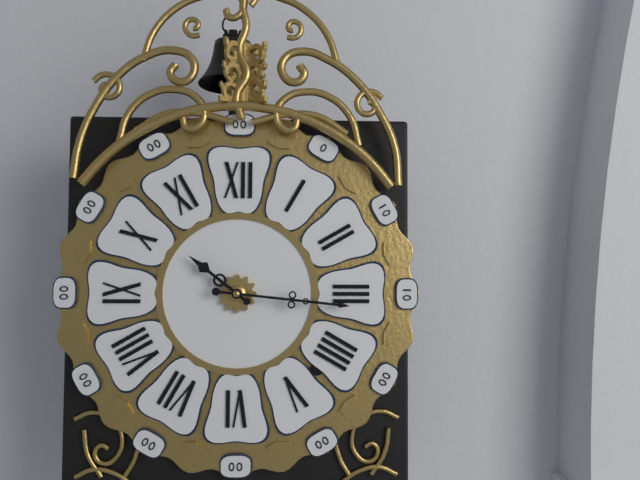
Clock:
10 h 16 min
